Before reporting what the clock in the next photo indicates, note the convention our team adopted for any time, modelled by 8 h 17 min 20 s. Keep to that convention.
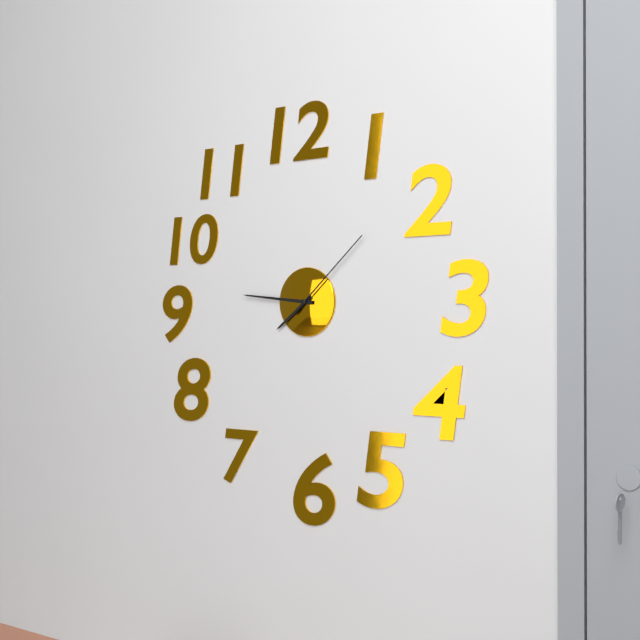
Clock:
7 h 46 min 08 s
